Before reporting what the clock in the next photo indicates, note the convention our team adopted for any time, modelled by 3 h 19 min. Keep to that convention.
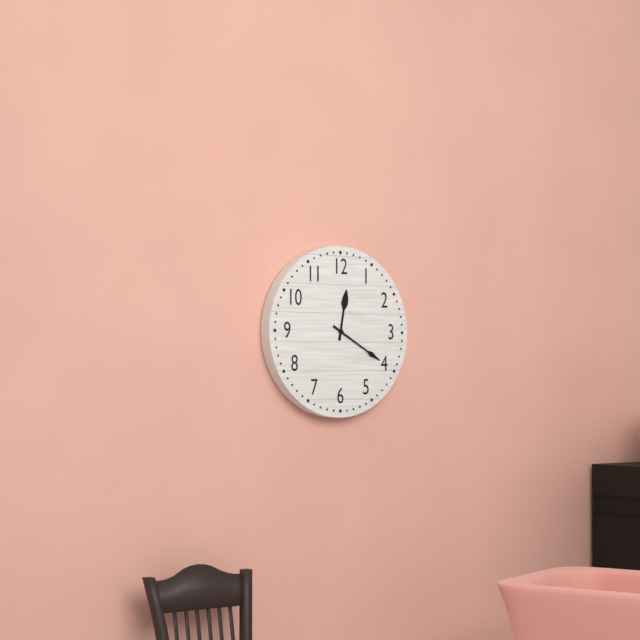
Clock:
12 h 20 min
